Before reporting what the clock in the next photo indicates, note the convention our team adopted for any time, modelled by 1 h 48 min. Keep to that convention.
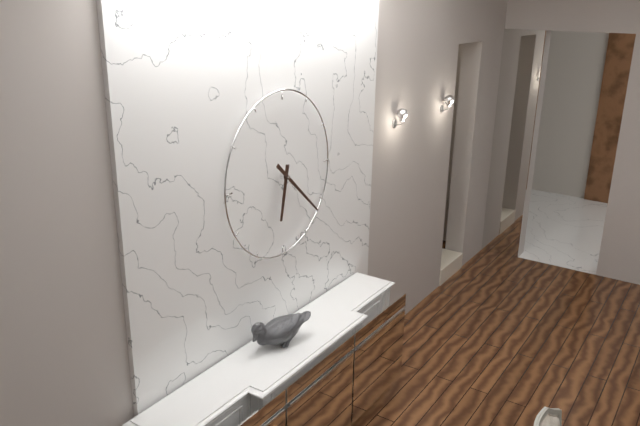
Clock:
6 h 22 min
